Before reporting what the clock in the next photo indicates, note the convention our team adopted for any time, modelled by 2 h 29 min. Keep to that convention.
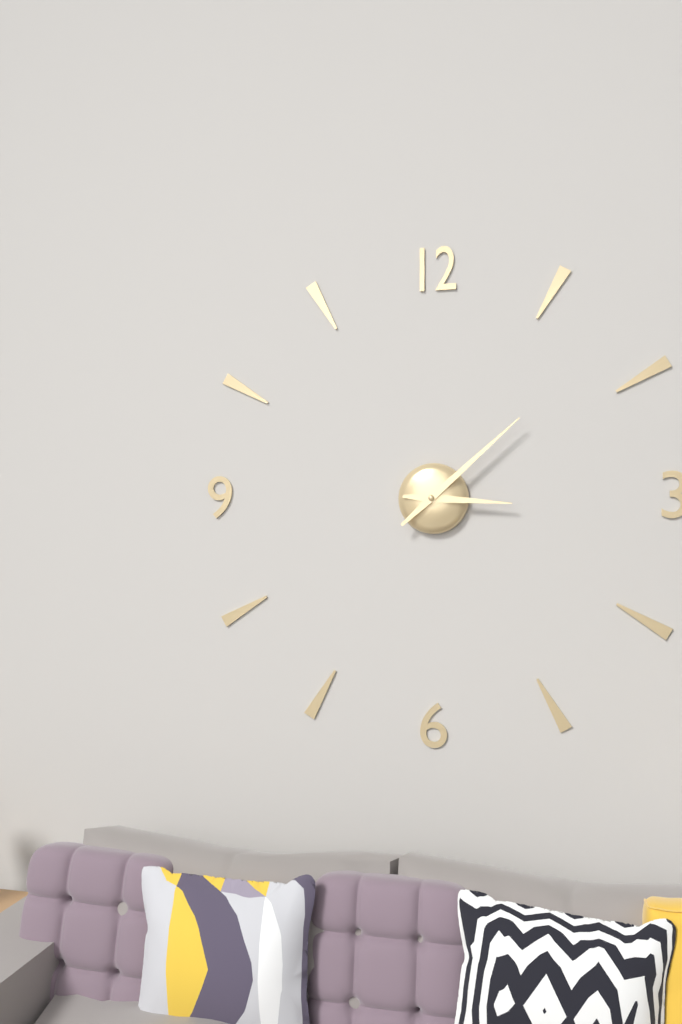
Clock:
3 h 08 min
